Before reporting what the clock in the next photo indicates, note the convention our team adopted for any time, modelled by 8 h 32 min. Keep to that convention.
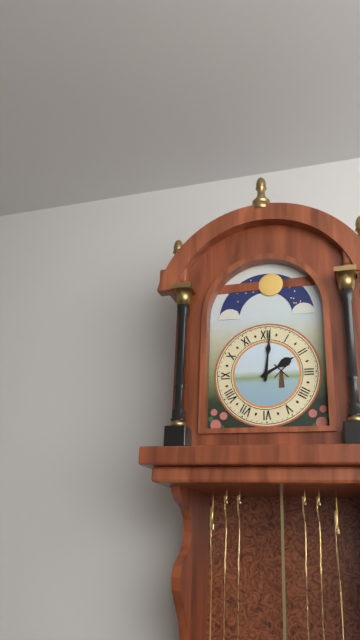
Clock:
2 h 01 min
